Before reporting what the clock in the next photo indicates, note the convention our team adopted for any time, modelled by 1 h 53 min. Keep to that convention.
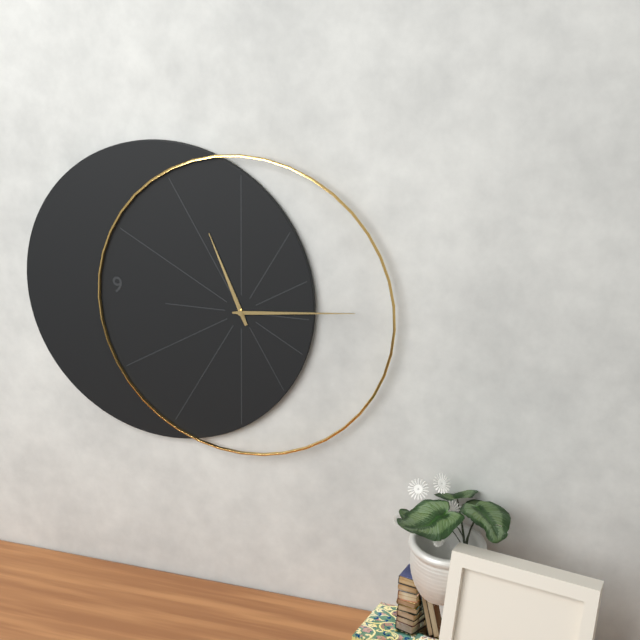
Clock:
11 h 14 min
